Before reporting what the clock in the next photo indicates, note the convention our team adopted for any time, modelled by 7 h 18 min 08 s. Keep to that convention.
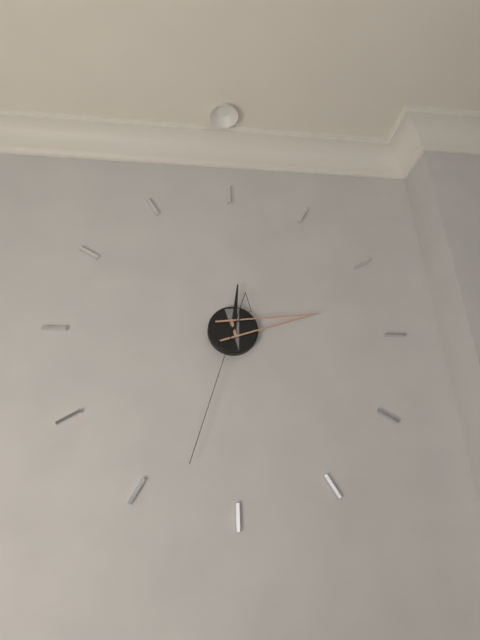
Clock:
12 h 13 min 33 s
